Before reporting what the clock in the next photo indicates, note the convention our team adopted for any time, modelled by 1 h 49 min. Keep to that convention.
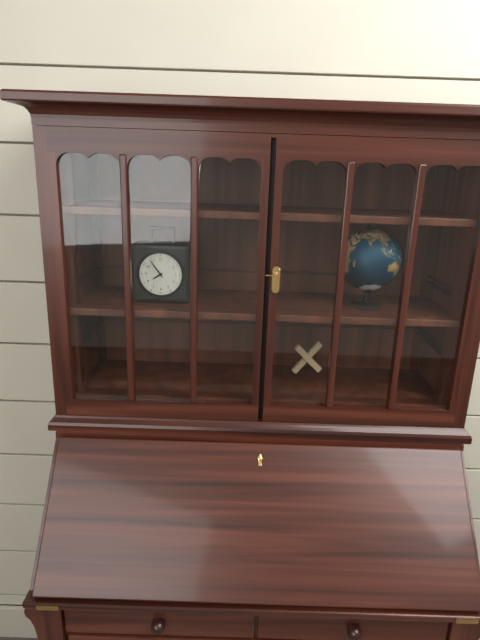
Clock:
7 h 54 min
